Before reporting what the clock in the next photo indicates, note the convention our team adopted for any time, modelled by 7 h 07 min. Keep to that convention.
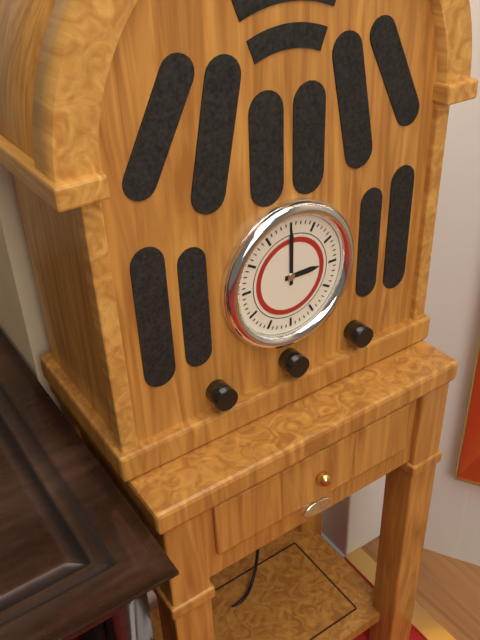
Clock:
3 h 00 min
